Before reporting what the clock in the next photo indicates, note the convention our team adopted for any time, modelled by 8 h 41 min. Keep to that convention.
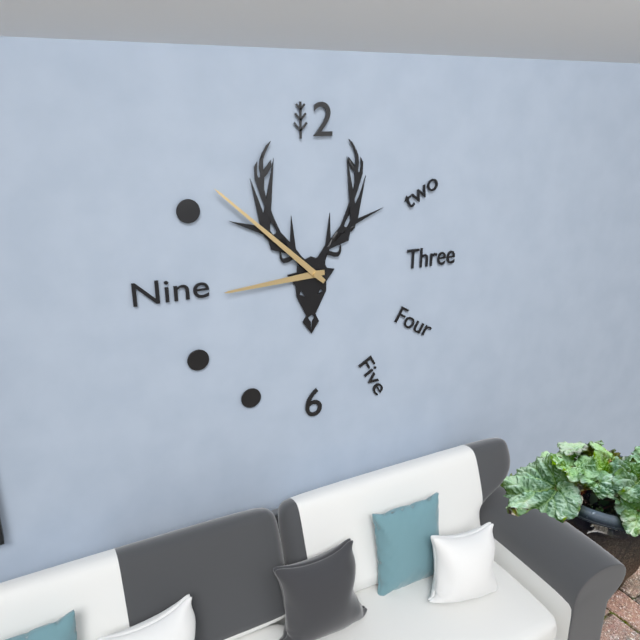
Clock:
8 h 52 min
